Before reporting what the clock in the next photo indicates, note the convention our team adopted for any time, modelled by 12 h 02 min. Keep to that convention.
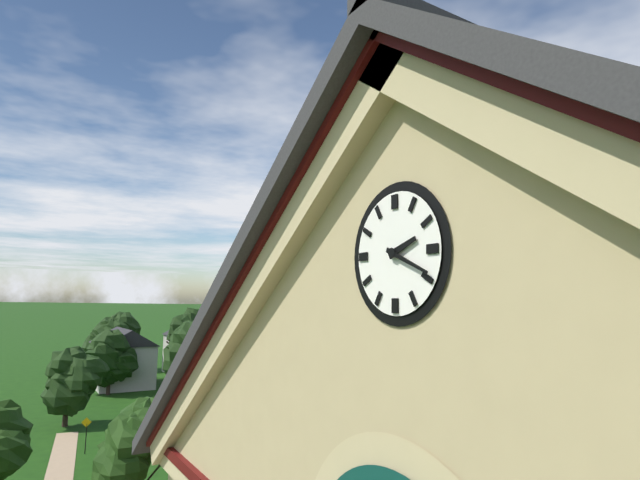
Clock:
2 h 19 min
